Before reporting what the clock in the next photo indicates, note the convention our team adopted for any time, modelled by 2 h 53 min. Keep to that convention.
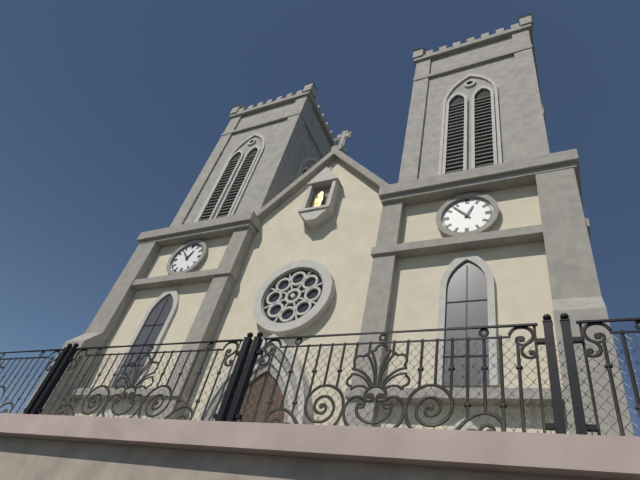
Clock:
12 h 53 min
